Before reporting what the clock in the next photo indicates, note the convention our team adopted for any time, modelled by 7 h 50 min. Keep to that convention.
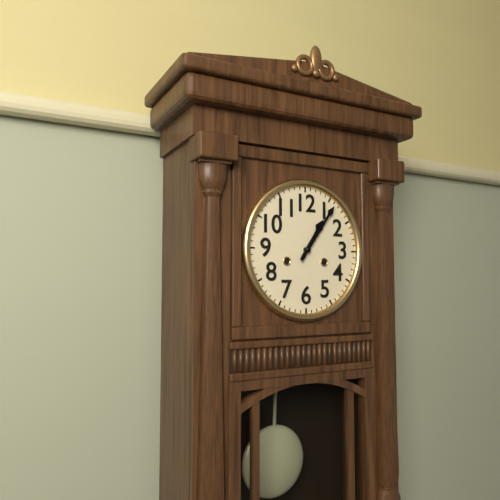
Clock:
1 h 06 min
